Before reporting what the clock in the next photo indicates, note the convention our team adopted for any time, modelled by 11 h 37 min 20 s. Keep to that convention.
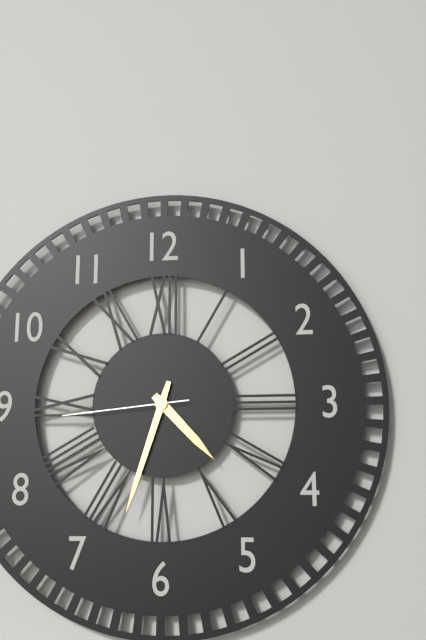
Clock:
4 h 33 min 44 s
